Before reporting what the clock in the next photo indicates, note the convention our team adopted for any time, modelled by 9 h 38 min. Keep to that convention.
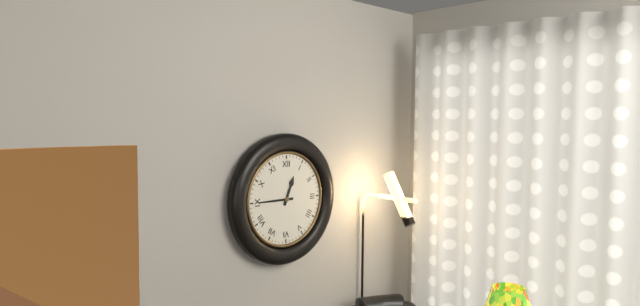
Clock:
12 h 45 min
